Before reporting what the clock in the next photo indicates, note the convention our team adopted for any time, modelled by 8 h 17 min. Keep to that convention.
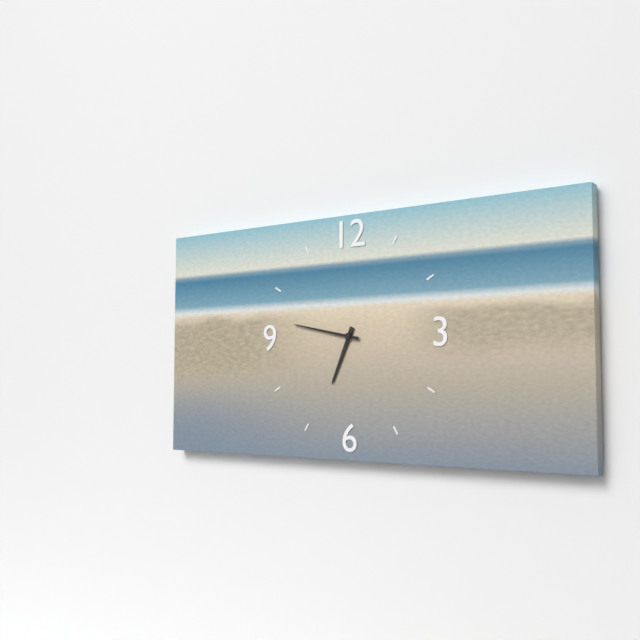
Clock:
6 h 47 min
